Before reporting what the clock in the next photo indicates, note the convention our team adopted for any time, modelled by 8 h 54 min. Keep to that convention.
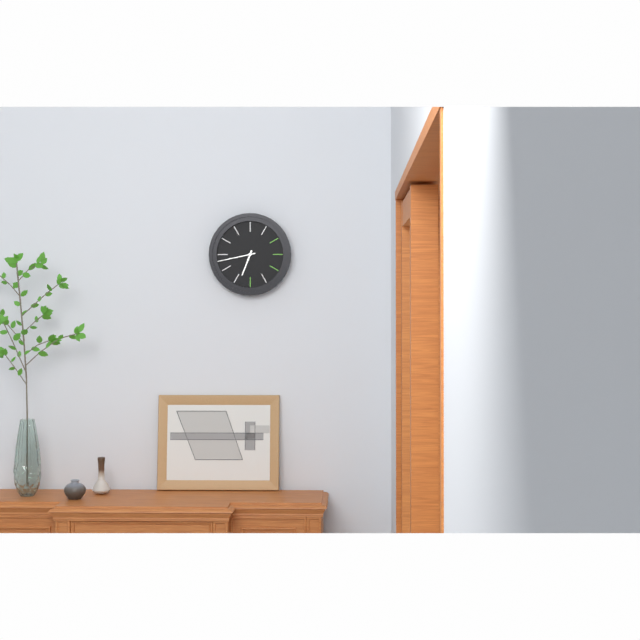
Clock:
6 h 43 min
